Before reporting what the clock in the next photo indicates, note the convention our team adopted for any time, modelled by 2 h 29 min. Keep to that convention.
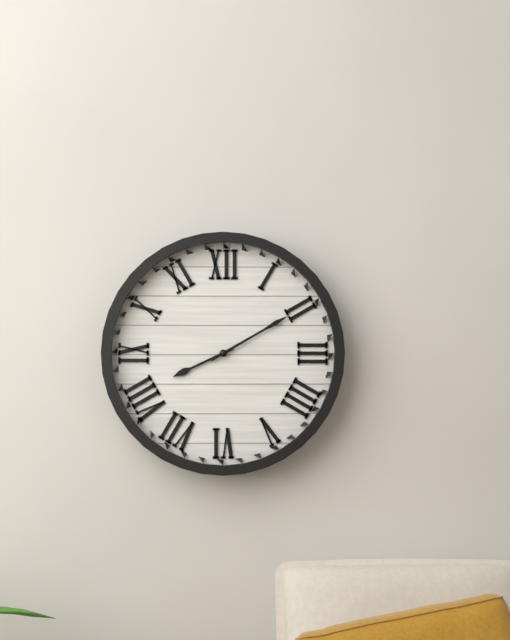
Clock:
8 h 10 min
